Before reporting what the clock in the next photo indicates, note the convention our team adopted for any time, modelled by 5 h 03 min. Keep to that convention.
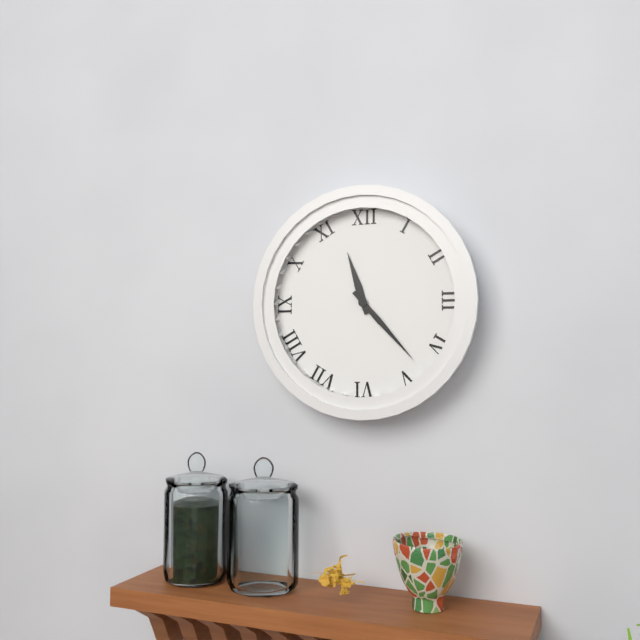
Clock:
11 h 23 min
